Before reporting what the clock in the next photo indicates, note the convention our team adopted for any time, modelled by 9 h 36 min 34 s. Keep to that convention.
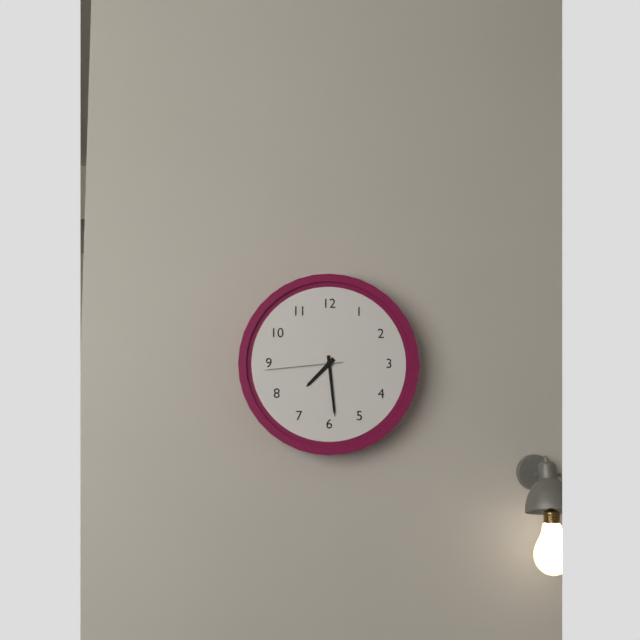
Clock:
7 h 29 min 44 s
